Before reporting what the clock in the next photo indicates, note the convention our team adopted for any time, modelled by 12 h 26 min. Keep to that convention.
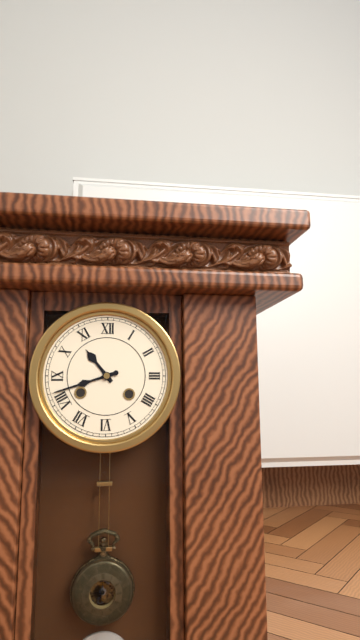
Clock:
10 h 42 min
